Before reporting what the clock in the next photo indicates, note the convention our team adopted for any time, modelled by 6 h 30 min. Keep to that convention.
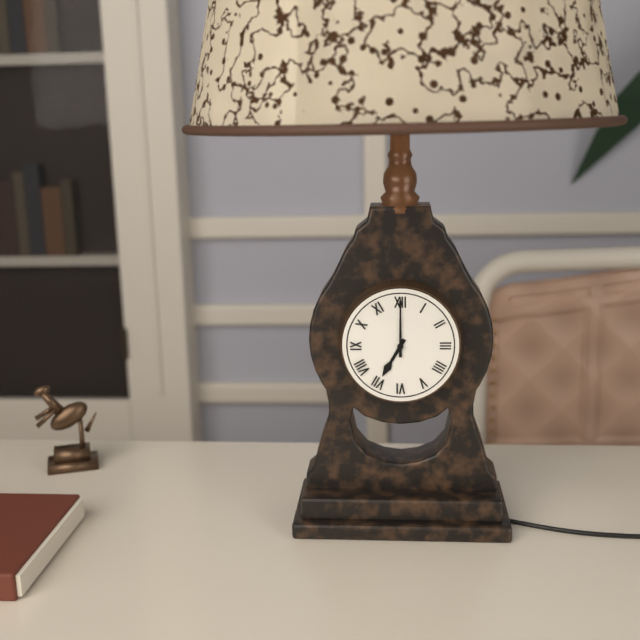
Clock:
7 h 00 min
